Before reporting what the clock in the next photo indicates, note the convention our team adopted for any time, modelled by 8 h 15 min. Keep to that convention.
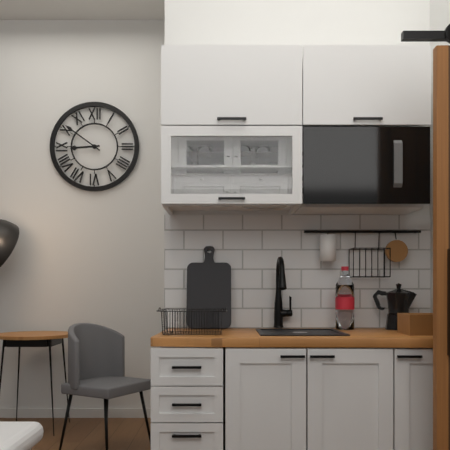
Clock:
8 h 51 min
